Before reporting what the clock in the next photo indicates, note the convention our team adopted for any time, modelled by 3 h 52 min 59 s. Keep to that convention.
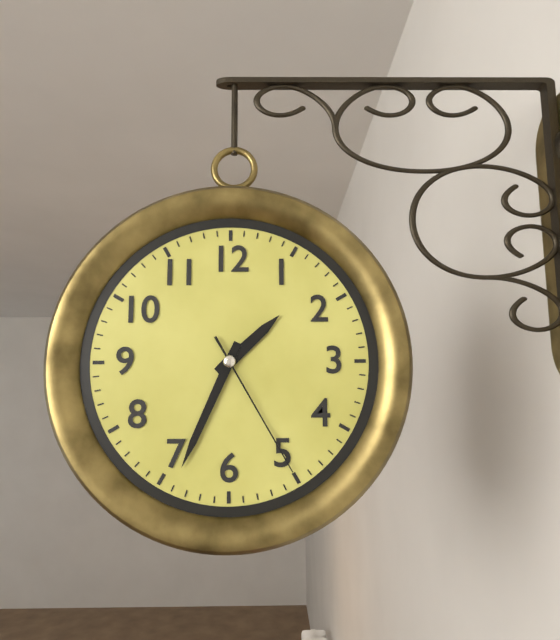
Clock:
1 h 34 min 25 s
